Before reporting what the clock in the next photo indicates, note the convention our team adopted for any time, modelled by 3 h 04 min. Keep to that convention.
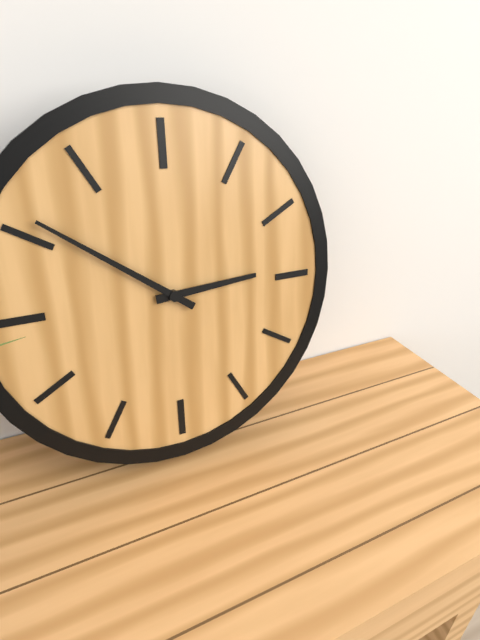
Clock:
2 h 51 min
